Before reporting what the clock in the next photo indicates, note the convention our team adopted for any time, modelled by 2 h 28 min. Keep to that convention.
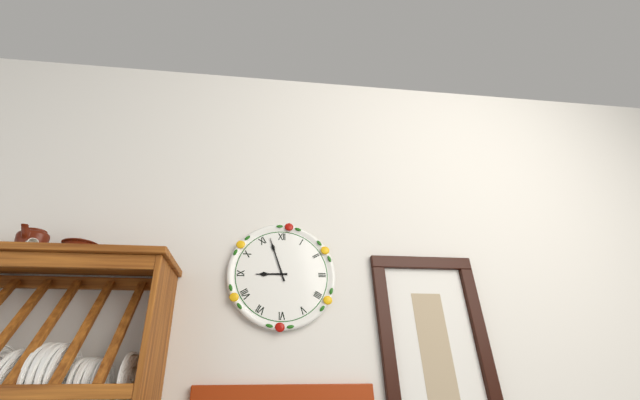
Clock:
8 h 57 min
